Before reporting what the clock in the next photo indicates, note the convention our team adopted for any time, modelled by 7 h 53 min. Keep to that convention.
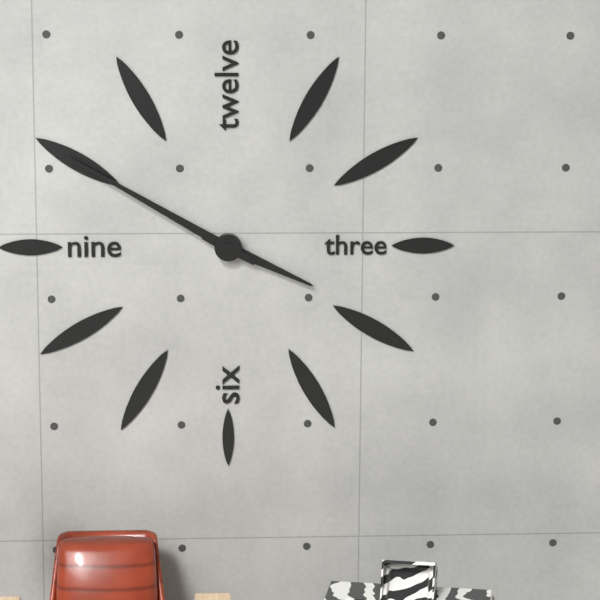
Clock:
3 h 50 min
